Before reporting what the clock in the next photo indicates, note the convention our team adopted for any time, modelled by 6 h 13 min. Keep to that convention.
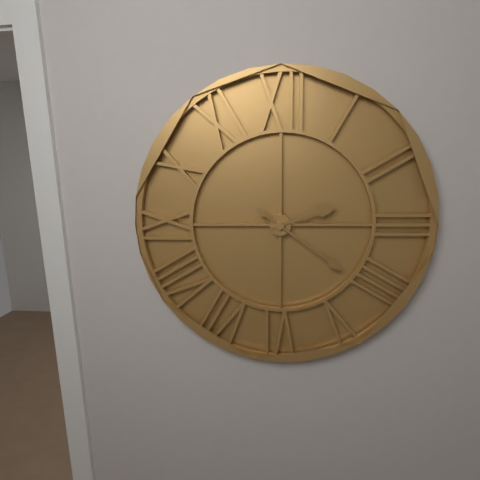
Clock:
2 h 21 min
